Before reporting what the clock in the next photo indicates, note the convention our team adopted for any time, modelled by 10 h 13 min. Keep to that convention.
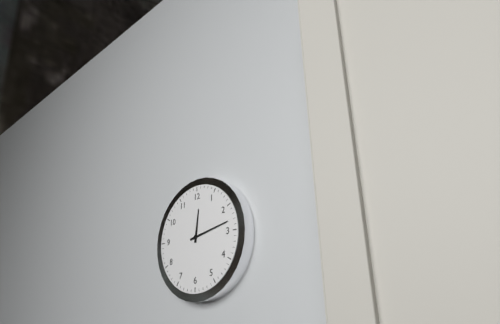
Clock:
12 h 13 min
